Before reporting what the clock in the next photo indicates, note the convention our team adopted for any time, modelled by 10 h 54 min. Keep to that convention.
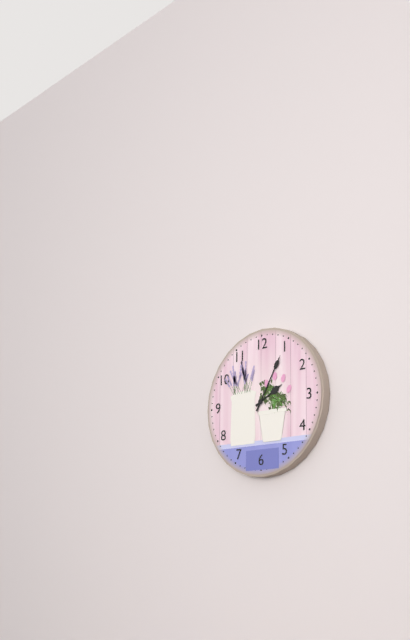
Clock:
2 h 05 min
